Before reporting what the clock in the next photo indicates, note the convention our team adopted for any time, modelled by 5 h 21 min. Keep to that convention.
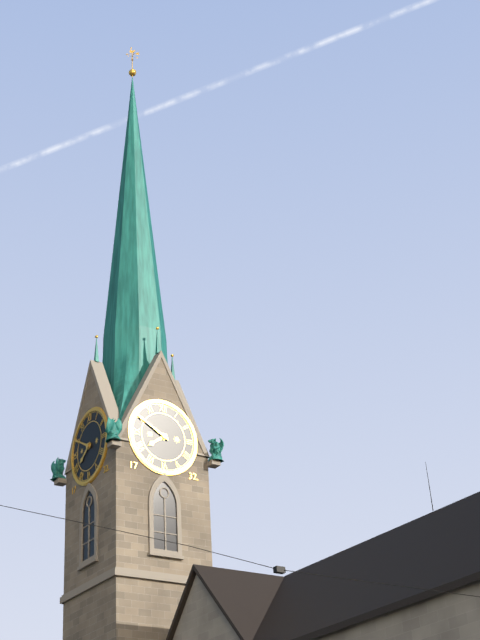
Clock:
7 h 50 min
